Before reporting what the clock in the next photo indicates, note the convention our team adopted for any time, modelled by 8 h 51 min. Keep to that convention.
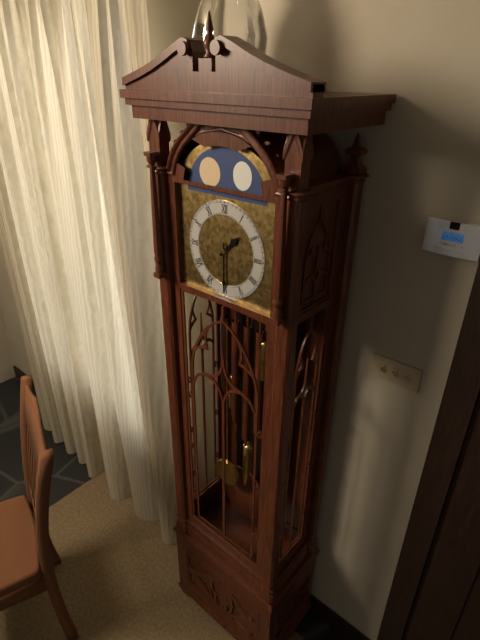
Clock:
1 h 30 min
